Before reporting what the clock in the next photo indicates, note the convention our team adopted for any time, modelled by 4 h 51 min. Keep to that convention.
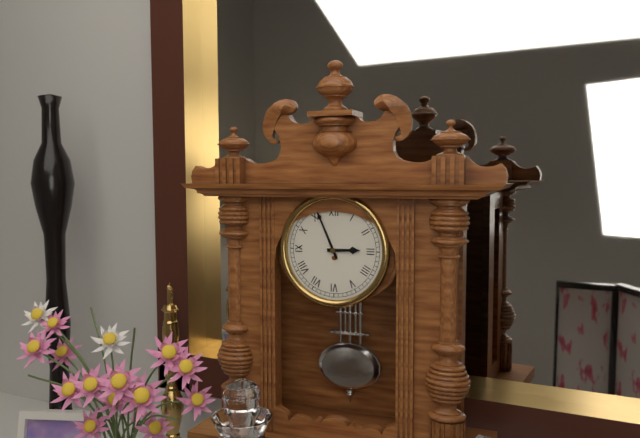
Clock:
2 h 56 min
